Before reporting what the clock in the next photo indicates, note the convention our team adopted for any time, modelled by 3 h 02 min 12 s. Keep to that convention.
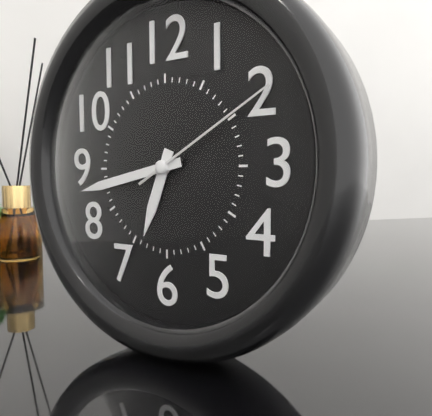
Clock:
6 h 43 min 10 s
